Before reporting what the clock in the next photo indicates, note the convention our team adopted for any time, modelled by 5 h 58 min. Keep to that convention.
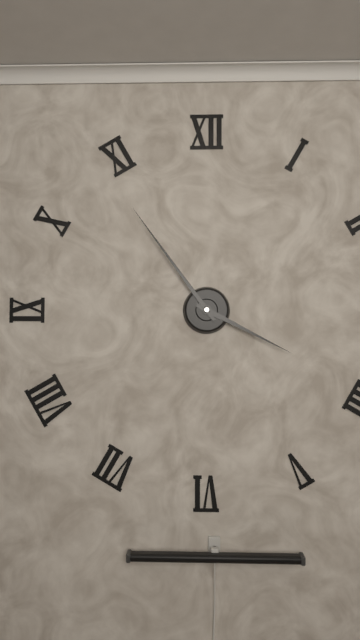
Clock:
3 h 54 min
